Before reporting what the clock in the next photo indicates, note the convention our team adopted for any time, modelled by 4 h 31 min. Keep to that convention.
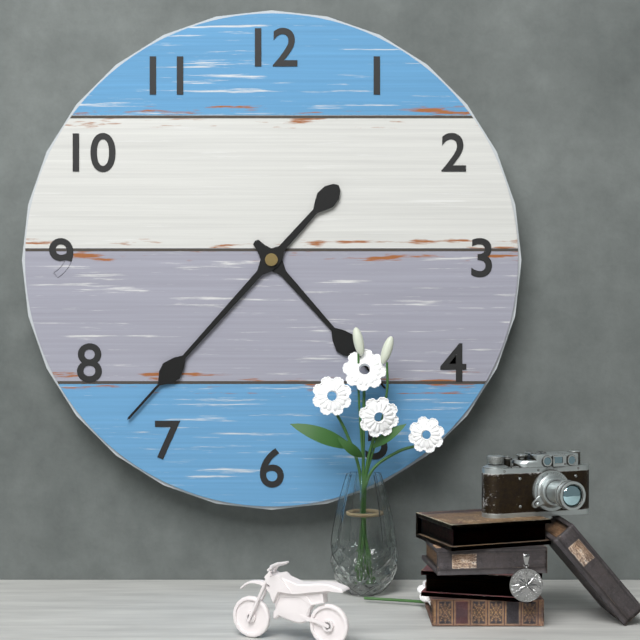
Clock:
4 h 37 min
